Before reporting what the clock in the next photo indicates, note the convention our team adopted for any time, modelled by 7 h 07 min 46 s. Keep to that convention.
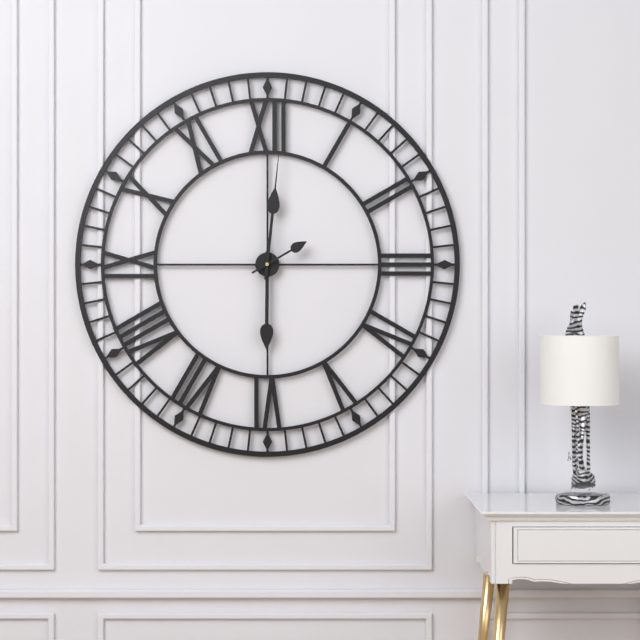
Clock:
6 h 01 min 10 s
